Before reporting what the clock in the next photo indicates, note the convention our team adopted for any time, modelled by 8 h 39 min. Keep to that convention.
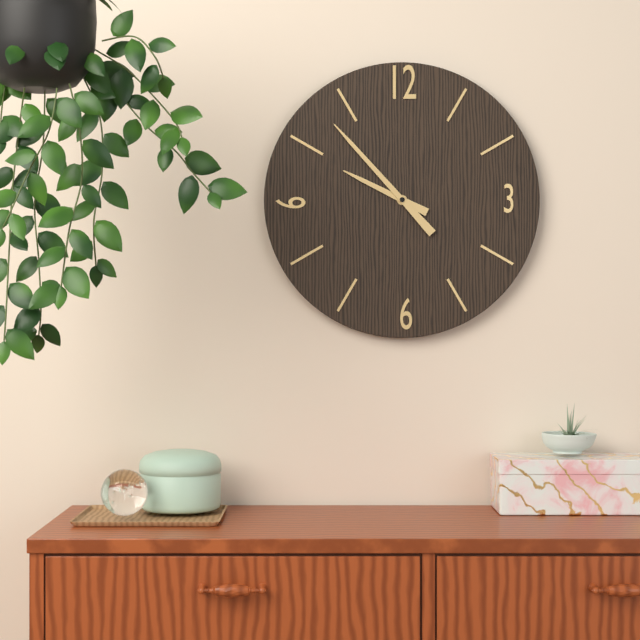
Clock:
9 h 53 min
